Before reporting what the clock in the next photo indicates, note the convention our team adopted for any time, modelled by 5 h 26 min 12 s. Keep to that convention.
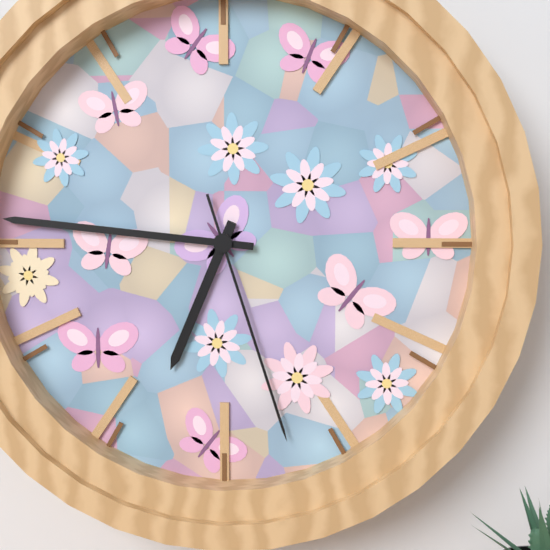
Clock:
6 h 46 min 27 s
